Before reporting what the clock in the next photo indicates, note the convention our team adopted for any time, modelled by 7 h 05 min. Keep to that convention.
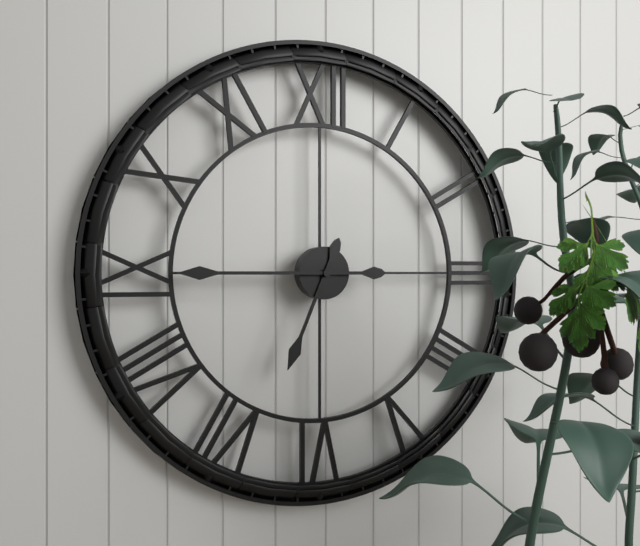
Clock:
6 h 45 min
